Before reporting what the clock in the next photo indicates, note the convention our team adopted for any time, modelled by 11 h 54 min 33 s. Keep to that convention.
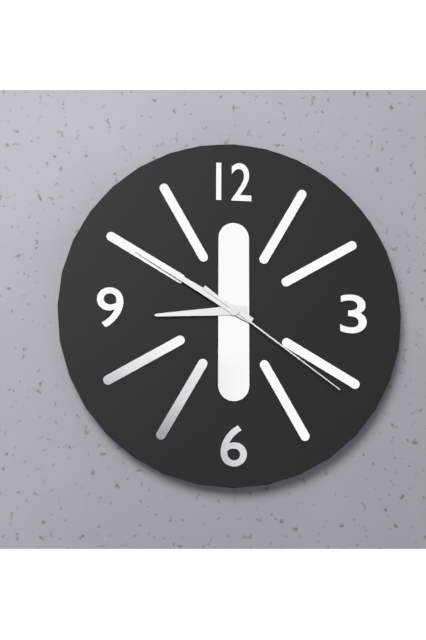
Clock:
8 h 50 min 21 s
